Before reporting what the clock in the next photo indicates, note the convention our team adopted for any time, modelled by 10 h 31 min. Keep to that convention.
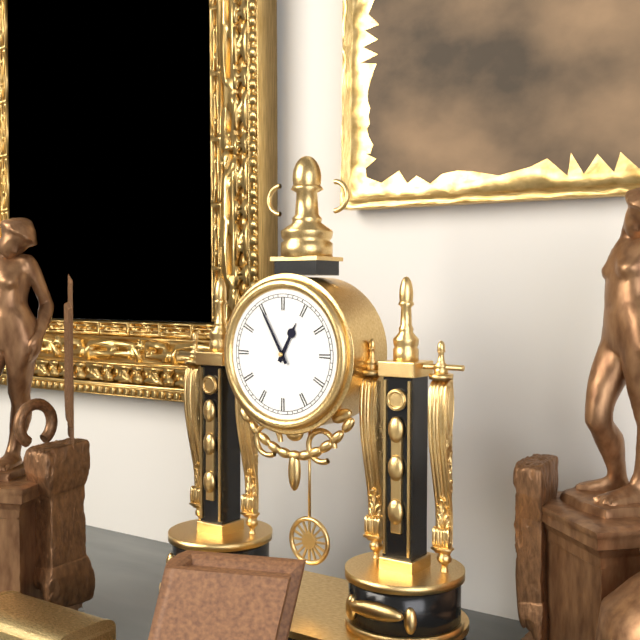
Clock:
12 h 55 min
